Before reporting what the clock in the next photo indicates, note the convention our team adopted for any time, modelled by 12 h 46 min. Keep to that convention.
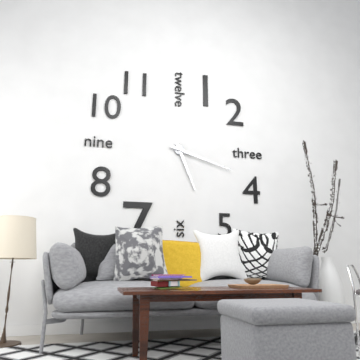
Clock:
5 h 18 min
